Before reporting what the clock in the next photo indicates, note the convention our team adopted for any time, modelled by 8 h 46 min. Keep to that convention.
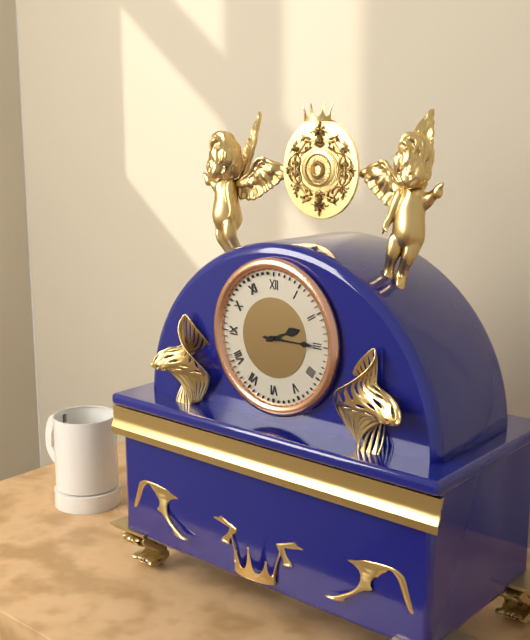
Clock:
2 h 15 min
